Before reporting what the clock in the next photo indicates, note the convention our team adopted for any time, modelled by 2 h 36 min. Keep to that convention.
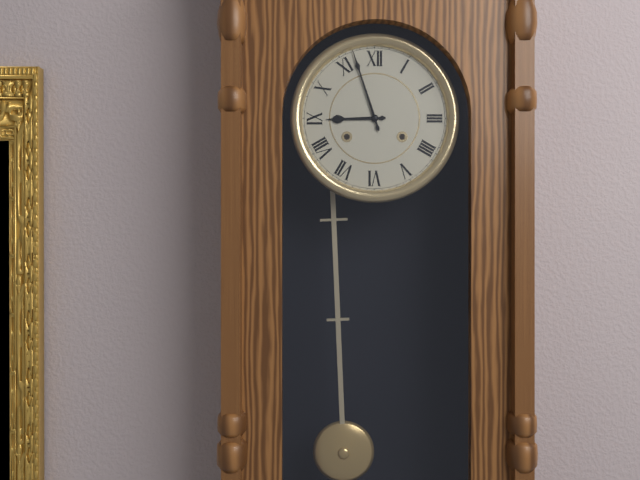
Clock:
8 h 57 min
